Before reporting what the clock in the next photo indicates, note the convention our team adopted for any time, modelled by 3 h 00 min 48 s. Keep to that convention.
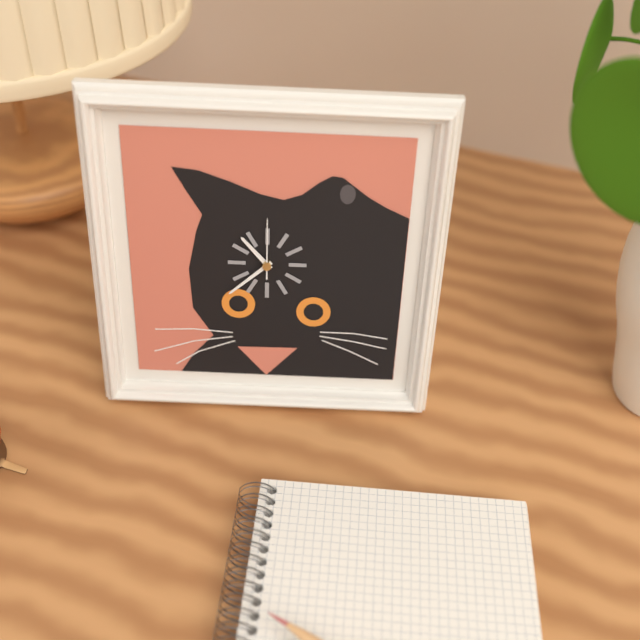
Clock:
10 h 38 min 00 s
